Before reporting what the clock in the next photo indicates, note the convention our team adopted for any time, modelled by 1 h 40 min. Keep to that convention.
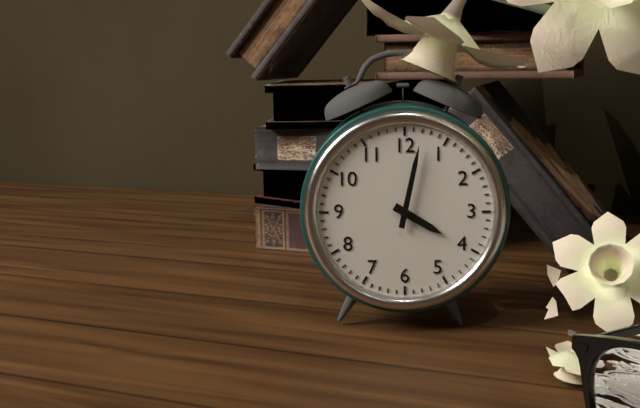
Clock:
4 h 02 min
